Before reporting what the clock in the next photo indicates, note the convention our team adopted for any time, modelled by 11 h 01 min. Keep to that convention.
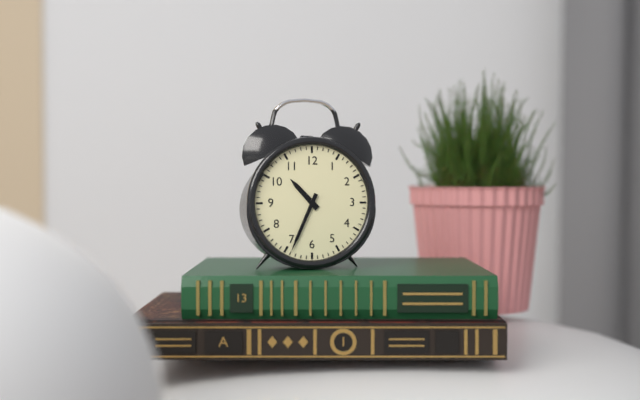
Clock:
10 h 34 min
